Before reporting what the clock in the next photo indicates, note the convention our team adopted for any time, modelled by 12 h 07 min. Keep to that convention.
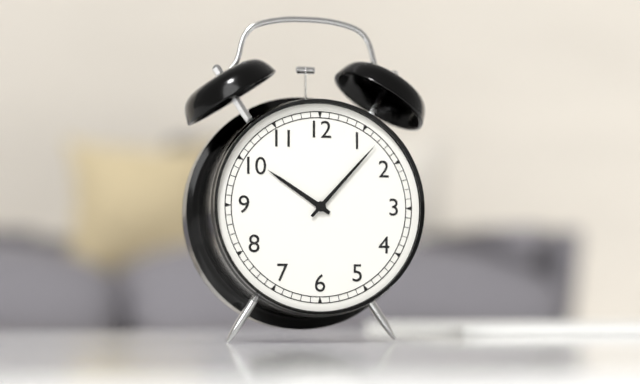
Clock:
10 h 07 min
